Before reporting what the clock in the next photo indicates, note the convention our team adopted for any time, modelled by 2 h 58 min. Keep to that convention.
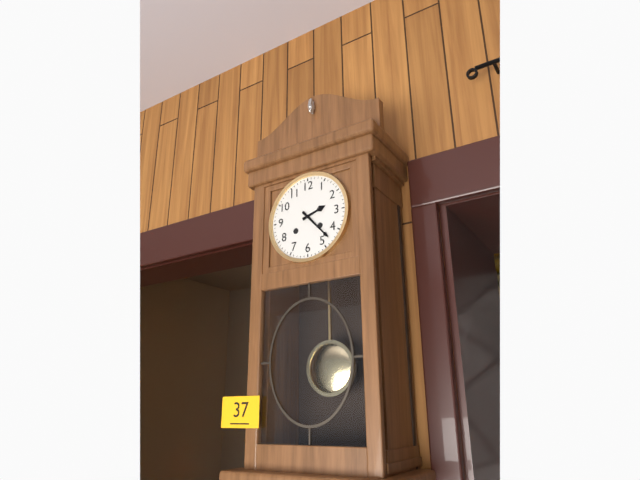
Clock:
2 h 23 min
